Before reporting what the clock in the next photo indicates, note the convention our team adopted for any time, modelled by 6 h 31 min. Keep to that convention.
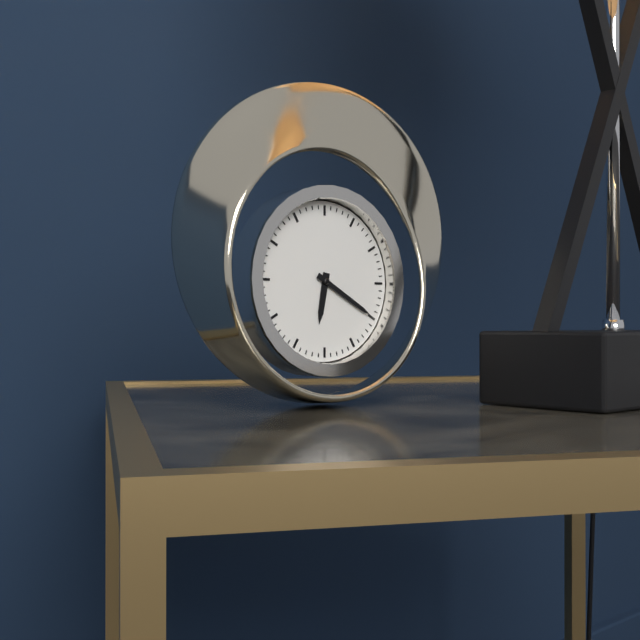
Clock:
6 h 20 min
